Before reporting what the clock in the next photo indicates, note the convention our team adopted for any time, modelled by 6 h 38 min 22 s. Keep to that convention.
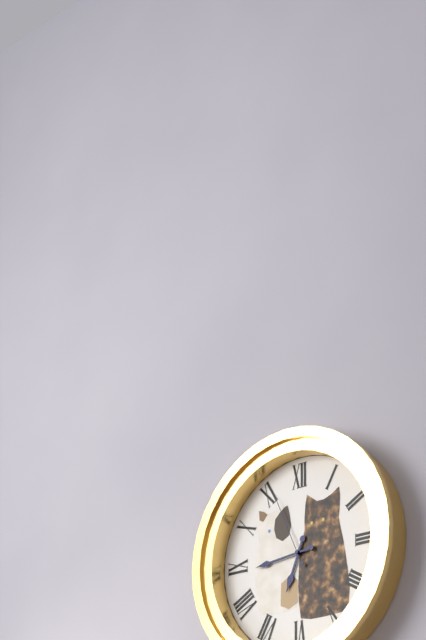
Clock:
6 h 44 min 56 s
